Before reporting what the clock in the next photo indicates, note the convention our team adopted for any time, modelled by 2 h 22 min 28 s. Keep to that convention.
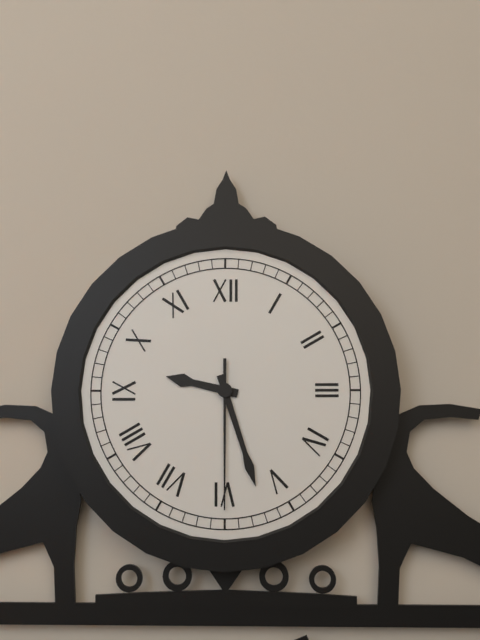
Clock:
9 h 27 min 30 s
